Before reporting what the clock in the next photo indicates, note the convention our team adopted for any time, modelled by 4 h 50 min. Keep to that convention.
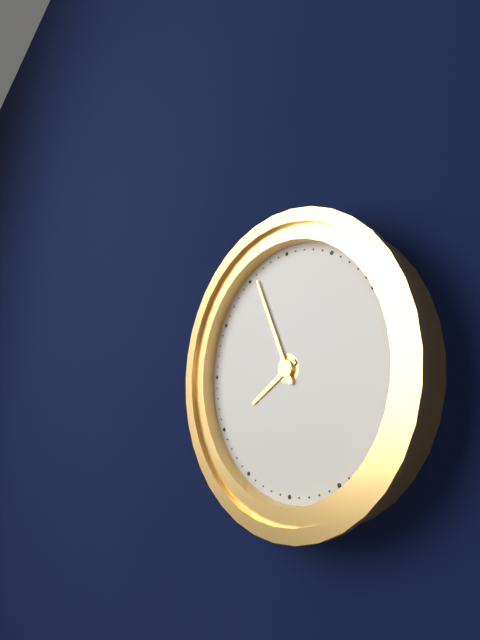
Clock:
7 h 56 min
